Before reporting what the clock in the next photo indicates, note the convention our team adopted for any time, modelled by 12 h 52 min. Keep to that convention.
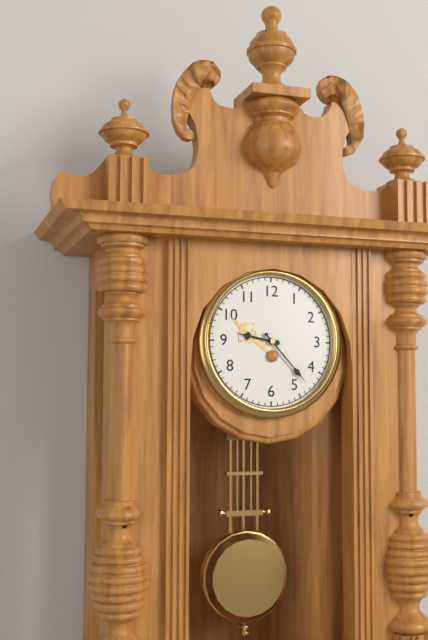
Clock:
9 h 23 min
